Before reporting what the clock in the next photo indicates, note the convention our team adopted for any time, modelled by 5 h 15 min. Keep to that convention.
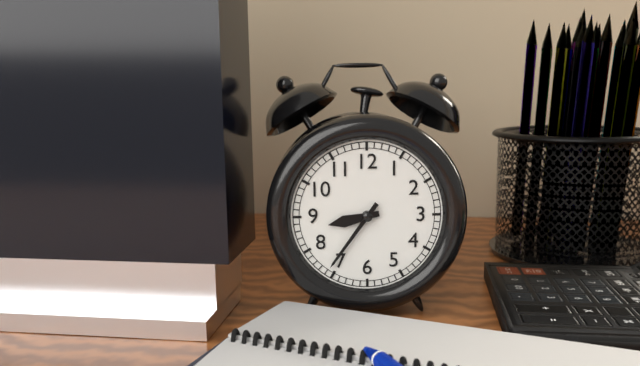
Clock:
8 h 36 min
